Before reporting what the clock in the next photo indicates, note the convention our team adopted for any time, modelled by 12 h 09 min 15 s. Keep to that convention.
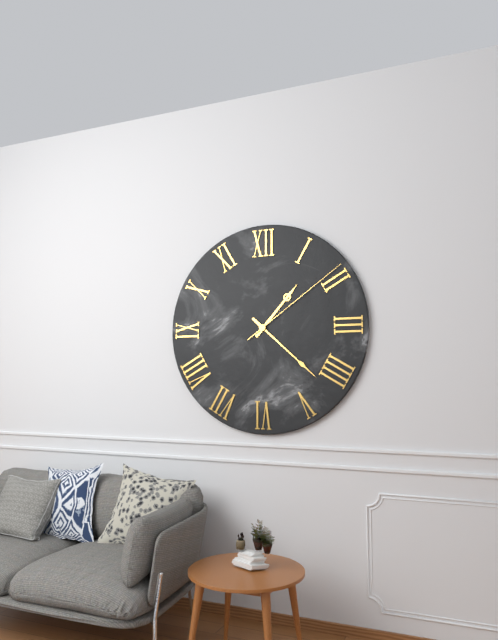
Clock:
1 h 22 min 09 s
